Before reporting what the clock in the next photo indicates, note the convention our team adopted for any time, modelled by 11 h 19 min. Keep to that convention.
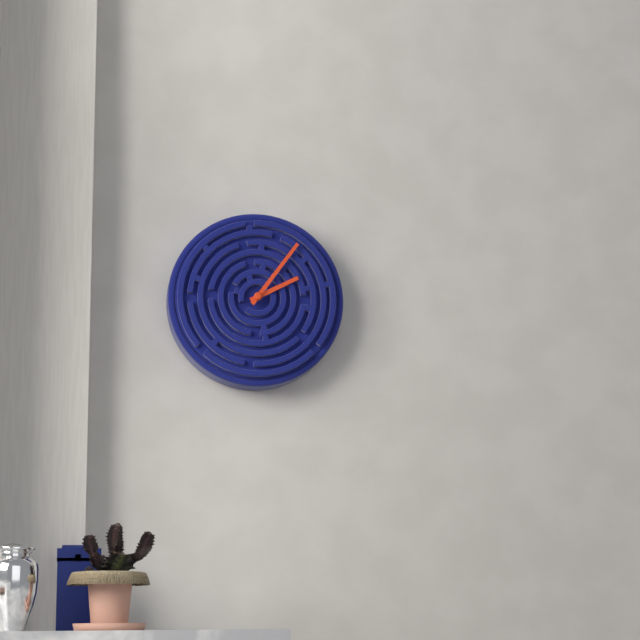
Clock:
2 h 06 min
